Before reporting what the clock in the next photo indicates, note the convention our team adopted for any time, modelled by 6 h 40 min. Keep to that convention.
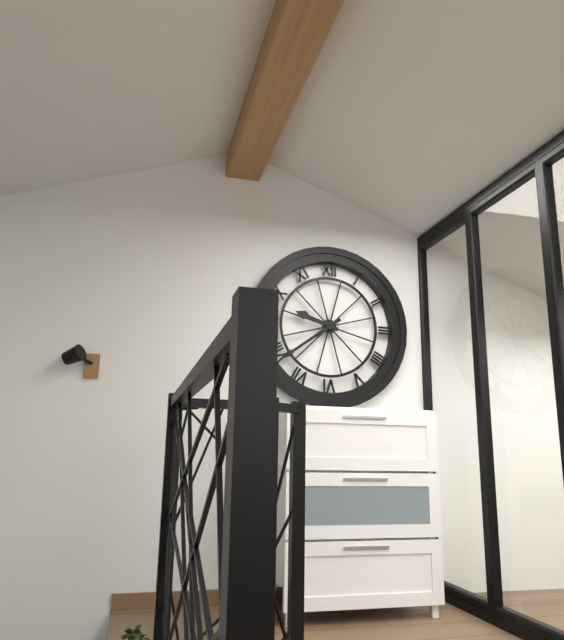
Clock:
9 h 39 min
